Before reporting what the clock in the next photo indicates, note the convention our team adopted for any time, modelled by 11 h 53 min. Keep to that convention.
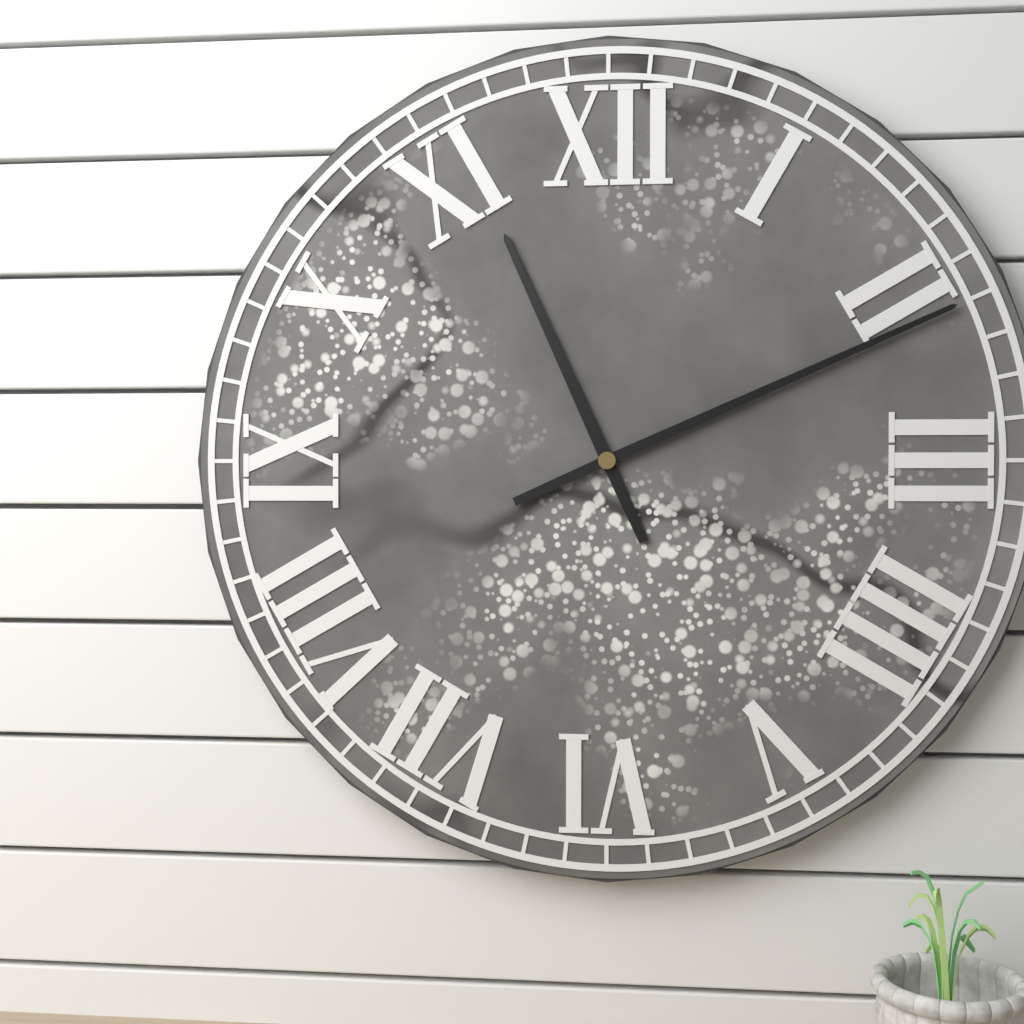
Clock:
11 h 11 min
